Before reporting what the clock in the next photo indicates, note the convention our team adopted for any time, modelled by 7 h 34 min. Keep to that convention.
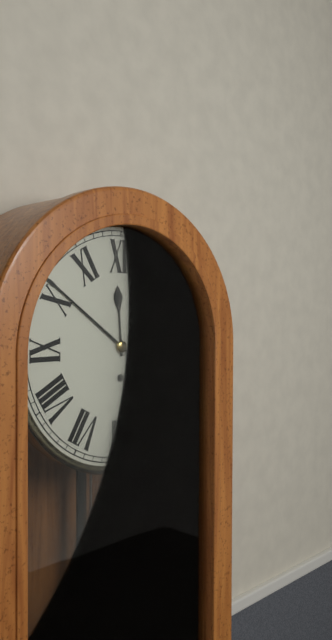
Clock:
11 h 51 min
